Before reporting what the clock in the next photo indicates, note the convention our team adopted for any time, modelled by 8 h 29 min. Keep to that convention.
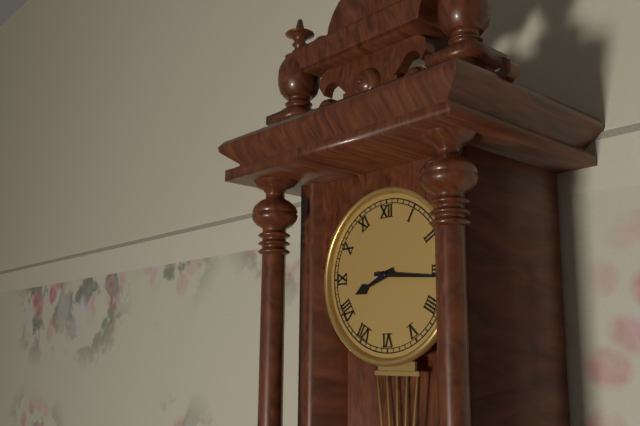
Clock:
8 h 16 min
